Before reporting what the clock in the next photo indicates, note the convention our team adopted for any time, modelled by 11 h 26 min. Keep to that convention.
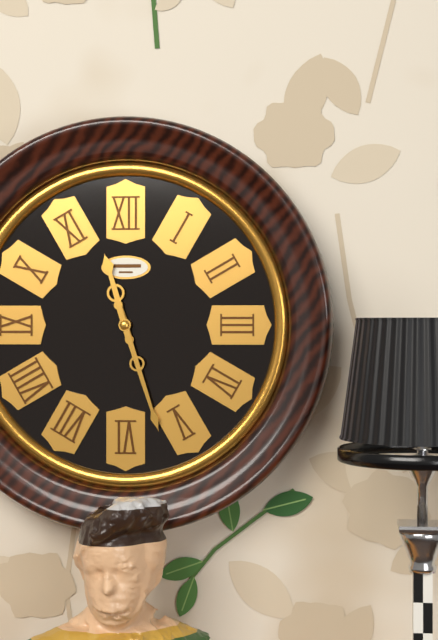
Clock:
11 h 27 min
